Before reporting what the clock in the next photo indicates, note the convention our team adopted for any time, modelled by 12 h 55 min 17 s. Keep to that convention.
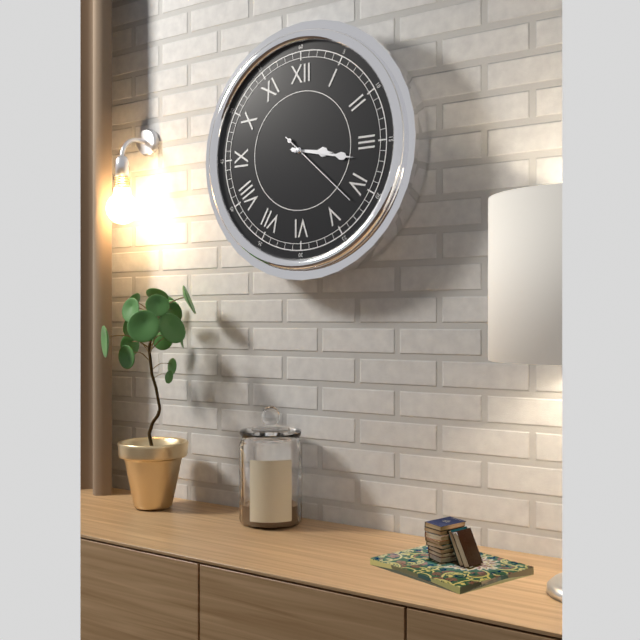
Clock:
3 h 17 min 22 s
